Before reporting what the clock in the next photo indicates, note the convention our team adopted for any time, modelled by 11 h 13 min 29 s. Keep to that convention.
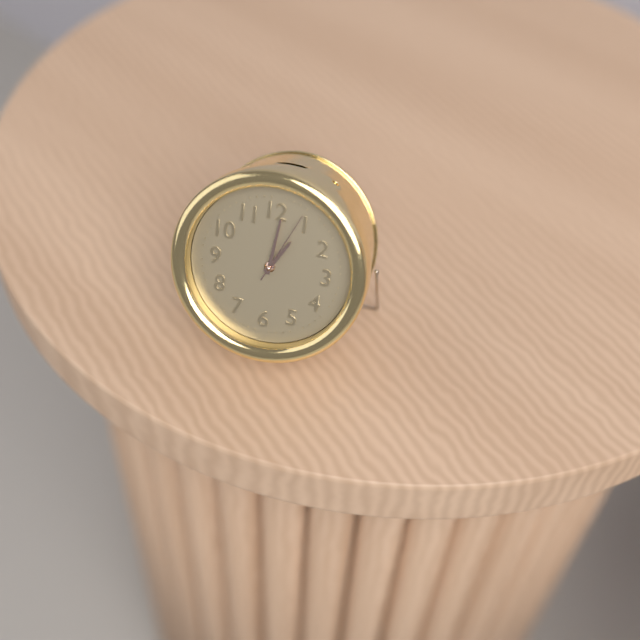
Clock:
1 h 01 min 04 s
